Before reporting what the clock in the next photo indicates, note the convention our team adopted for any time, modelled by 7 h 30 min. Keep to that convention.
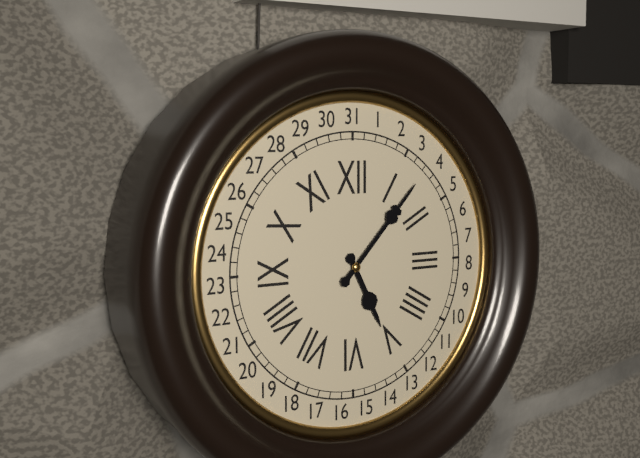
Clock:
5 h 07 min
